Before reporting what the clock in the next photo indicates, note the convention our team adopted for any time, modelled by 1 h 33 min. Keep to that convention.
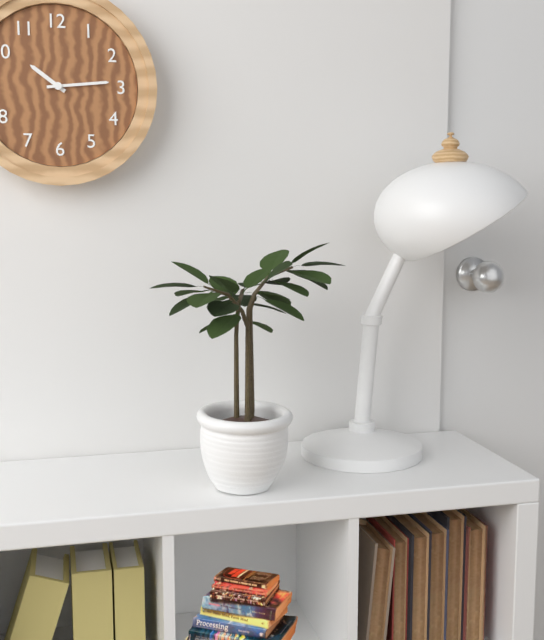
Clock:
10 h 14 min
